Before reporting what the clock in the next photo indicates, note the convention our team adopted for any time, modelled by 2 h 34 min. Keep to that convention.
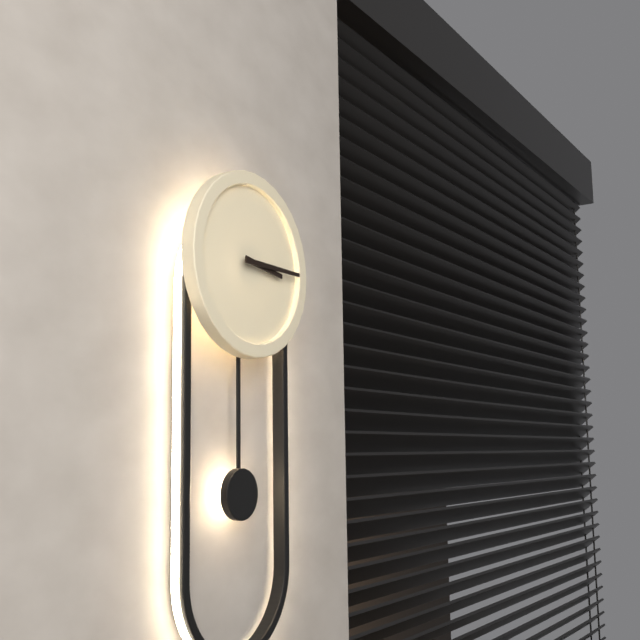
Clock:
3 h 15 min
